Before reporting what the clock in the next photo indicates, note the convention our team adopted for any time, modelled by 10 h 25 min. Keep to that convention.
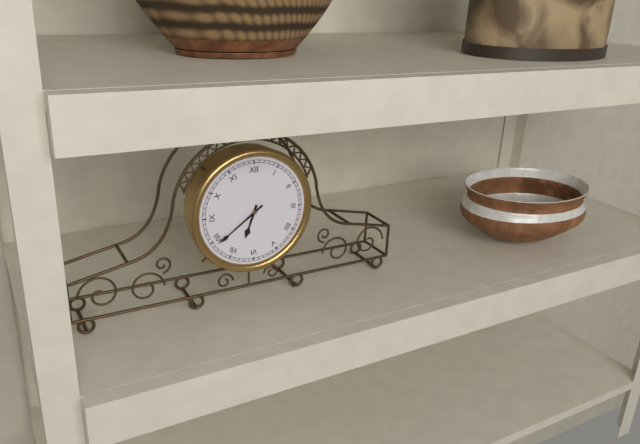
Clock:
6 h 39 min
